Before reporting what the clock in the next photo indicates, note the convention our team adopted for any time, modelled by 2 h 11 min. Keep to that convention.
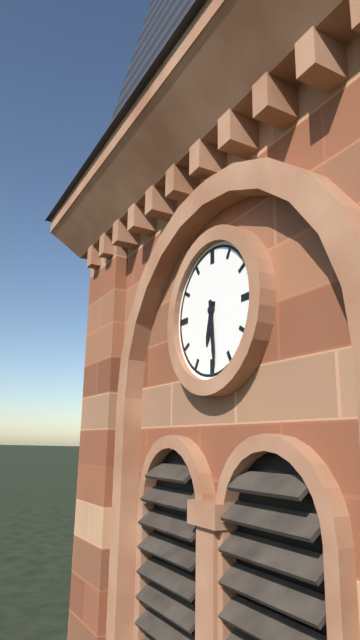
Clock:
6 h 29 min
